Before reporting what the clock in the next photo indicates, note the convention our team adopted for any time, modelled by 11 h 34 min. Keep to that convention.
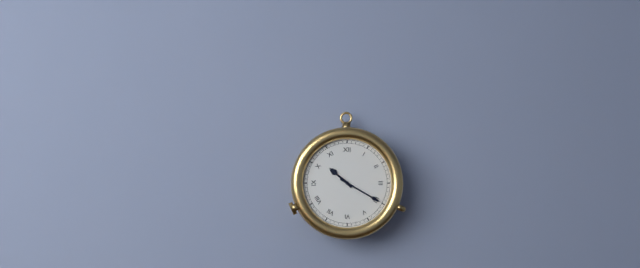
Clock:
10 h 20 min
